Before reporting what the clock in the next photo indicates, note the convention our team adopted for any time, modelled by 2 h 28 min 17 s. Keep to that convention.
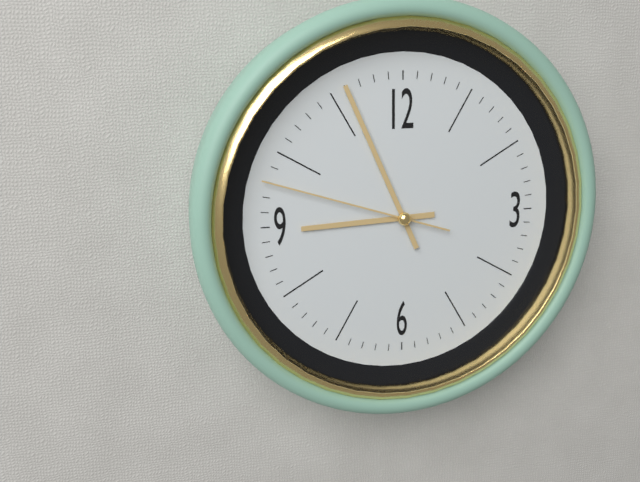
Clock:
8 h 56 min 48 s
